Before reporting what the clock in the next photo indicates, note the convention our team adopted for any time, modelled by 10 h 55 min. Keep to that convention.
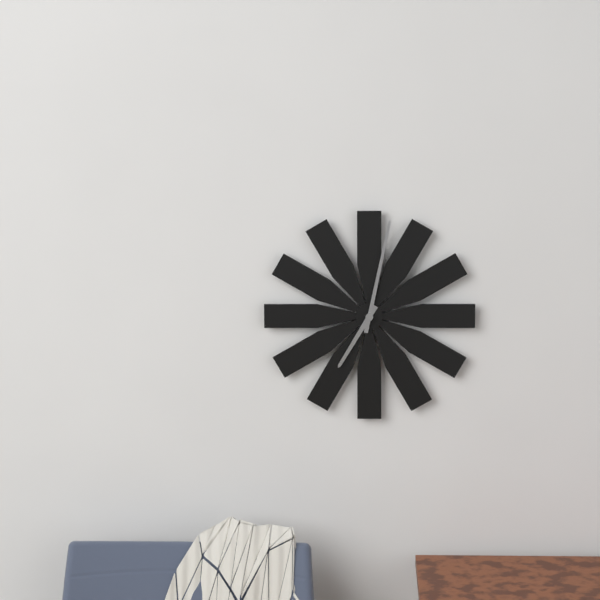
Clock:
7 h 02 min
